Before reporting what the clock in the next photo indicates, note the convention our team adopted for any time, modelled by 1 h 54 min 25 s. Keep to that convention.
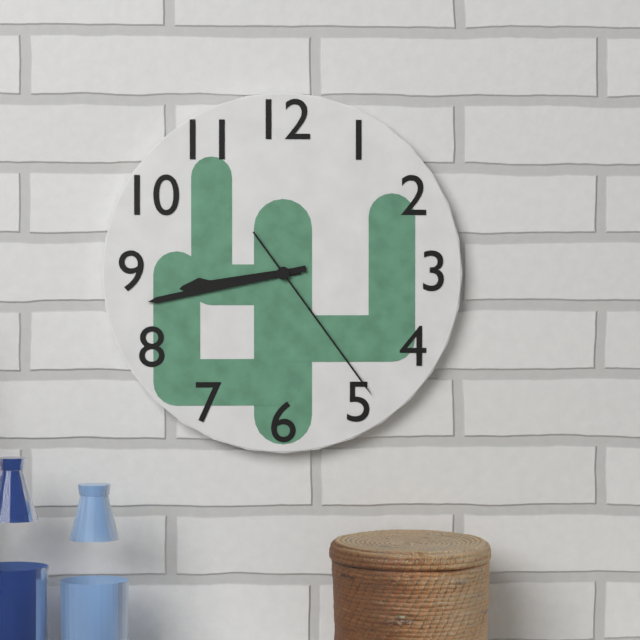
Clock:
8 h 43 min 24 s
